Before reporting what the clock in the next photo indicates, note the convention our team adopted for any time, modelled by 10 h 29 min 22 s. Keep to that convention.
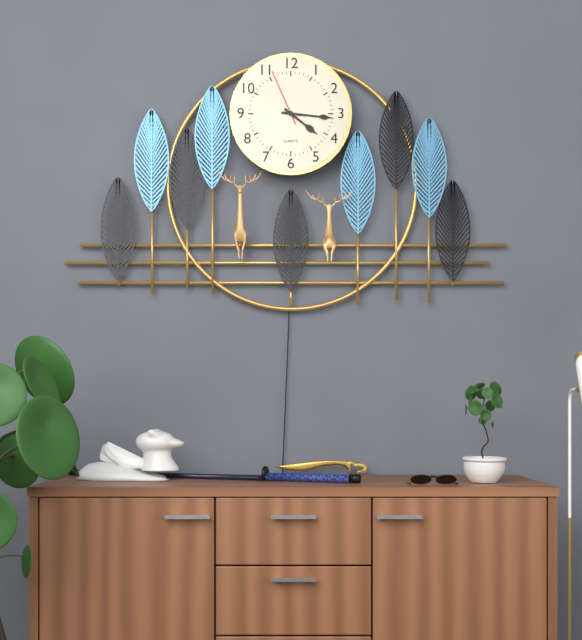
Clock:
4 h 16 min 56 s
